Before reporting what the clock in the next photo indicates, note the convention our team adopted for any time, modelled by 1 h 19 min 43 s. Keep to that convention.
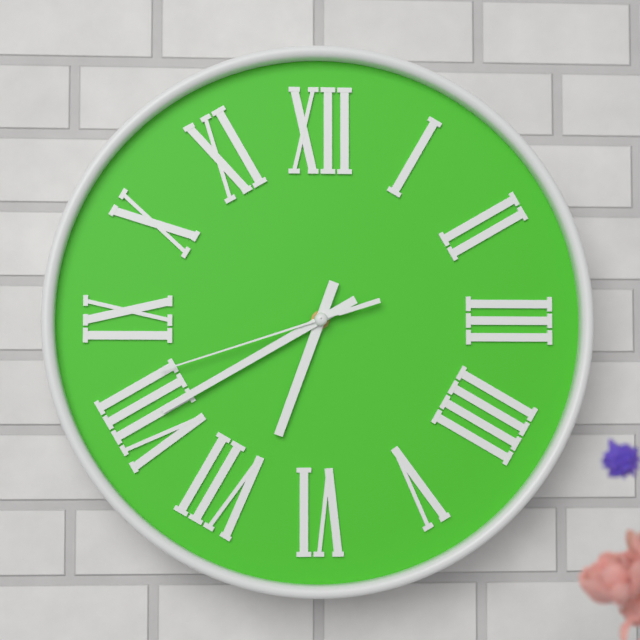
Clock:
6 h 40 min 42 s
